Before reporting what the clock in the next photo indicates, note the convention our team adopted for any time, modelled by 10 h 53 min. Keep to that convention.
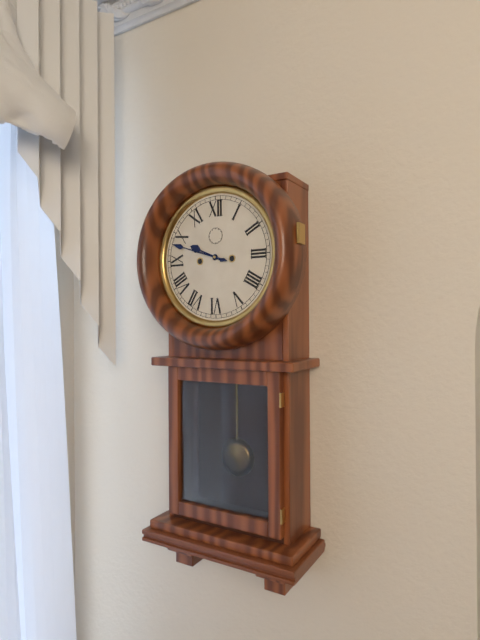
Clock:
9 h 48 min
